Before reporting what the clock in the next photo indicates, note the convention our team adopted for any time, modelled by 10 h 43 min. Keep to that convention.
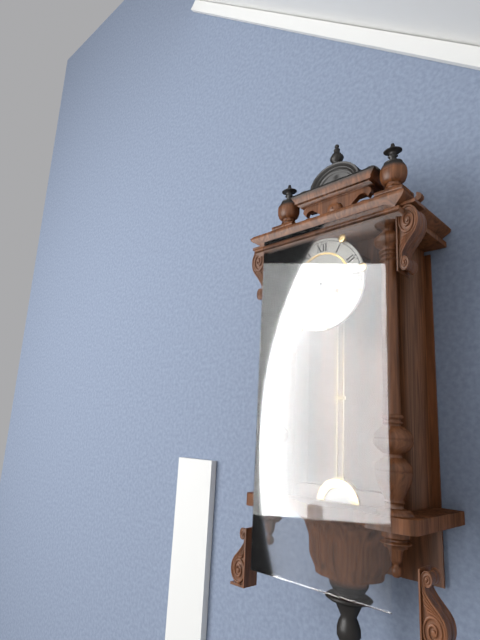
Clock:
7 h 53 min
